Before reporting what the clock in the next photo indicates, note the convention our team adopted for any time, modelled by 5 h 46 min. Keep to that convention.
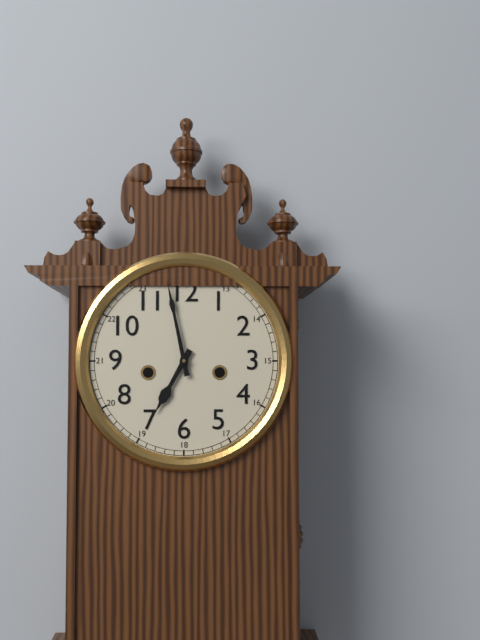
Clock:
6 h 58 min
